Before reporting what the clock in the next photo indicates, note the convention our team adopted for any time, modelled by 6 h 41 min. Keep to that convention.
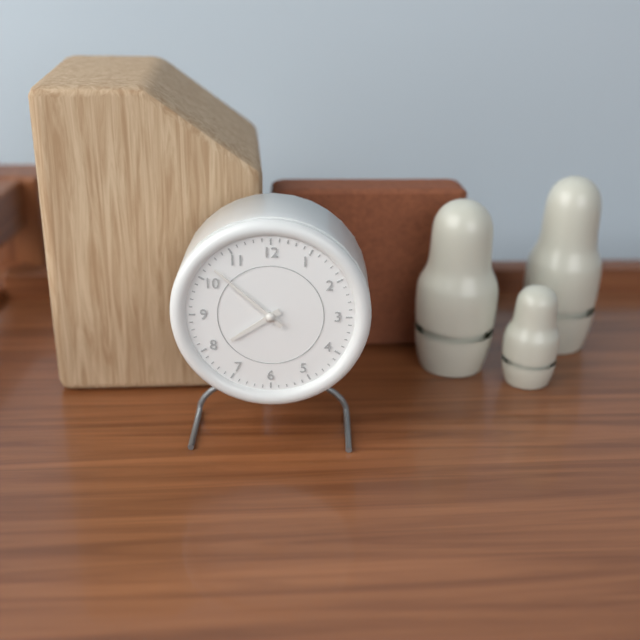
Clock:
7 h 52 min
